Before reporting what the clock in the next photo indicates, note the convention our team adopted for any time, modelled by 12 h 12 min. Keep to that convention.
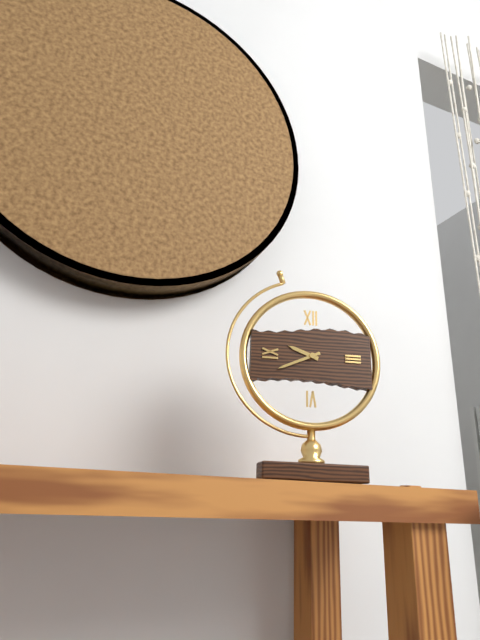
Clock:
9 h 41 min
